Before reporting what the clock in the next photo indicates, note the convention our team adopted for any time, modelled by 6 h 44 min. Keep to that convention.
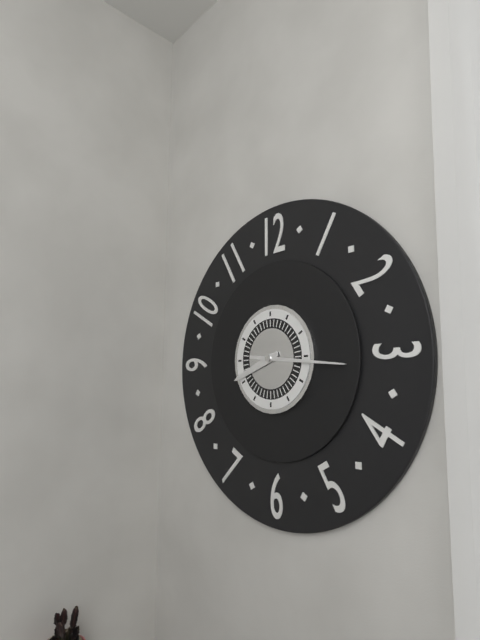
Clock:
8 h 16 min
